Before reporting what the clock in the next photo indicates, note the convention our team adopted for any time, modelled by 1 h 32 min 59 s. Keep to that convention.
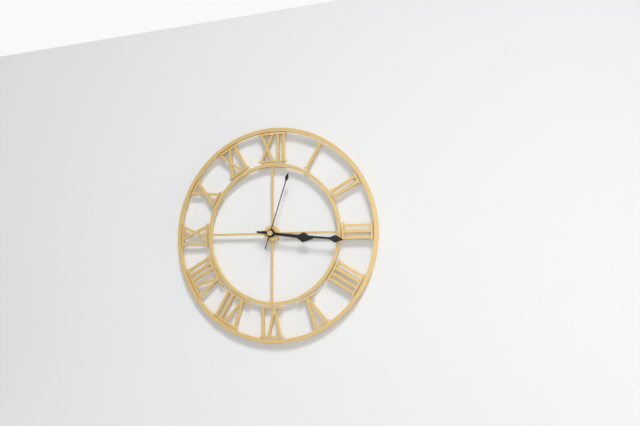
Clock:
3 h 16 min 03 s
